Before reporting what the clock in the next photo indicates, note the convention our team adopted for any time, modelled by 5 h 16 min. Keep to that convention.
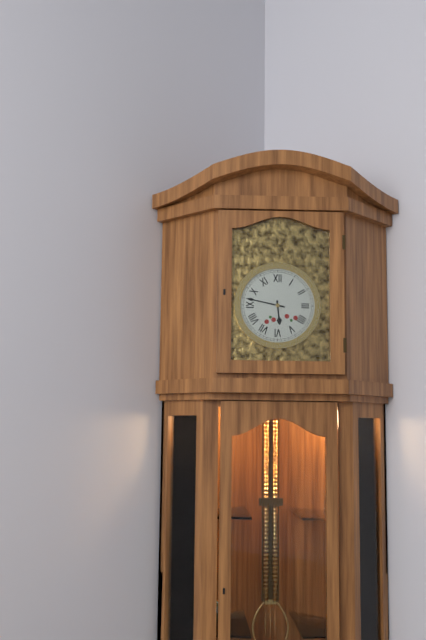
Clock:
5 h 47 min
